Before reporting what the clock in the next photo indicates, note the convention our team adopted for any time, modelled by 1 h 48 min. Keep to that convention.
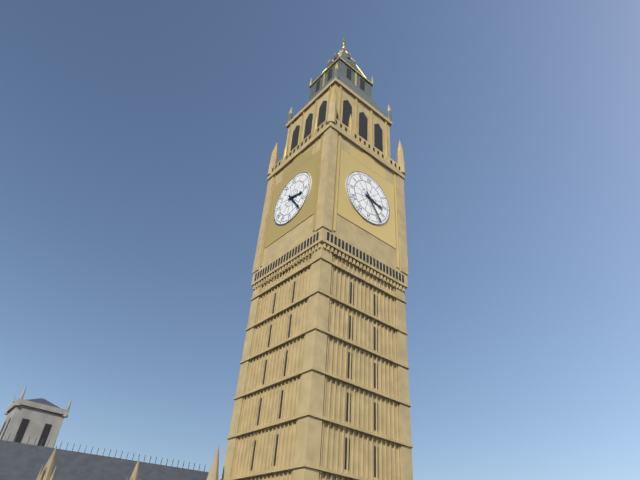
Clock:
3 h 24 min
